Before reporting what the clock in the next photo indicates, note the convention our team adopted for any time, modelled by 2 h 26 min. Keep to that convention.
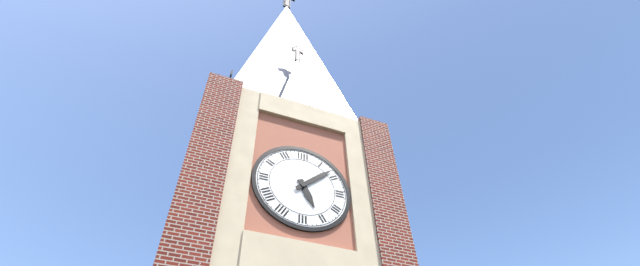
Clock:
5 h 08 min
